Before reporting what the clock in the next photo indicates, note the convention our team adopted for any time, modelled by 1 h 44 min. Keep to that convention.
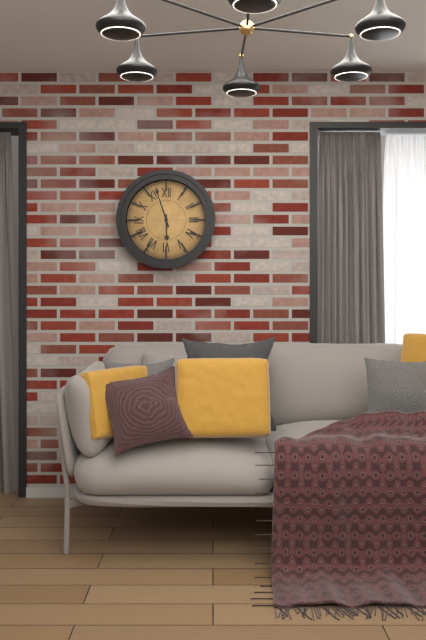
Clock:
5 h 57 min
